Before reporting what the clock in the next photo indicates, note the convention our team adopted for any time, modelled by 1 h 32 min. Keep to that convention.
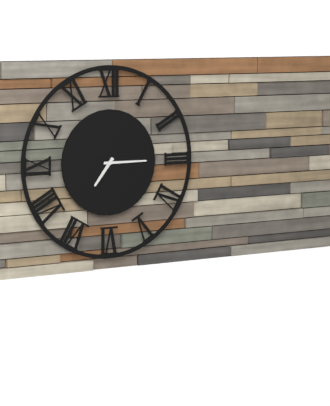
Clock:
7 h 15 min
